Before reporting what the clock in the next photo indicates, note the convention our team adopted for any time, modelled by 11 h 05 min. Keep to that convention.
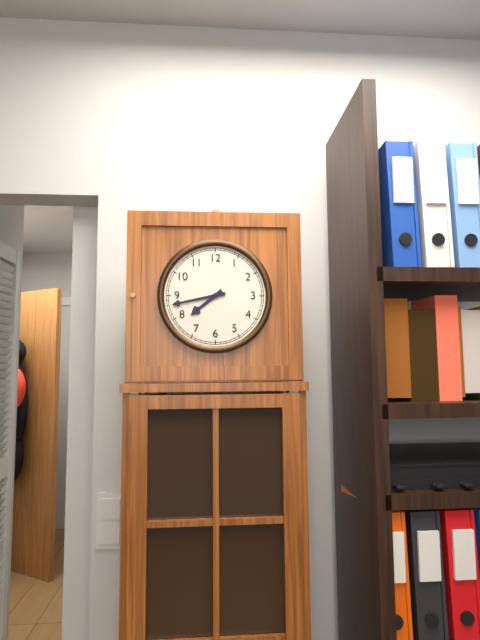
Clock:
7 h 43 min
